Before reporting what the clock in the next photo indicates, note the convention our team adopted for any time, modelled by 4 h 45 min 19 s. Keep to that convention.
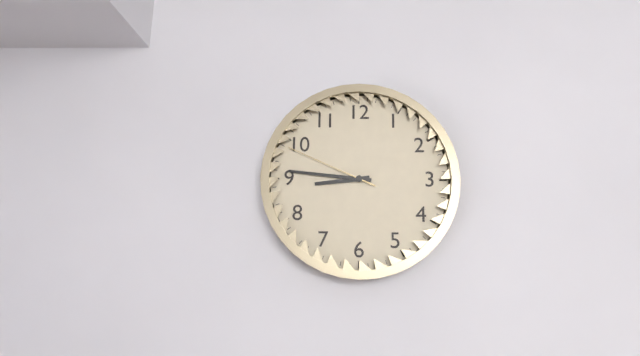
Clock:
8 h 46 min 49 s
